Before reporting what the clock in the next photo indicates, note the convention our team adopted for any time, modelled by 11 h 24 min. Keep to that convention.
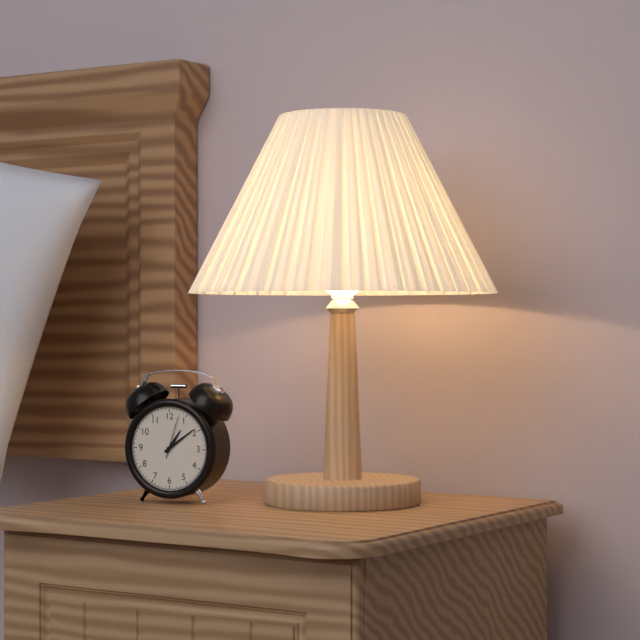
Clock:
1 h 09 min
